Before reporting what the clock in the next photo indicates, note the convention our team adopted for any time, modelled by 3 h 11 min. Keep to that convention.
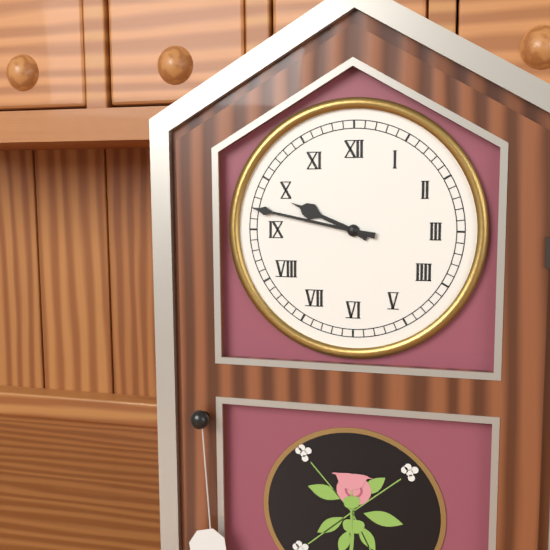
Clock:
9 h 47 min
